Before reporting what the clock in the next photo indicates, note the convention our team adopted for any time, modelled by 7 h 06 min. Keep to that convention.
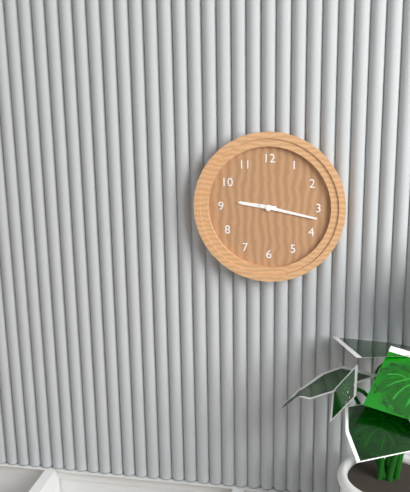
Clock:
9 h 17 min
